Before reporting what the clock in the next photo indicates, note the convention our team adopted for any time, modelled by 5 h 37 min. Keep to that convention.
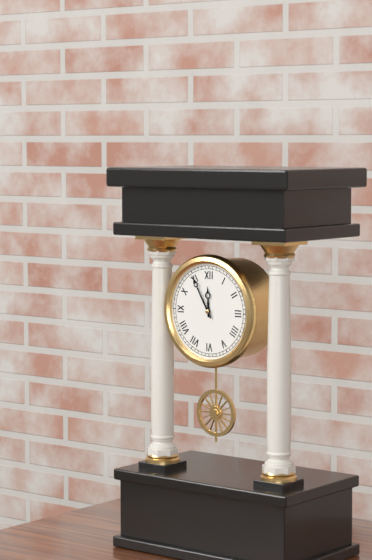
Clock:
11 h 55 min
